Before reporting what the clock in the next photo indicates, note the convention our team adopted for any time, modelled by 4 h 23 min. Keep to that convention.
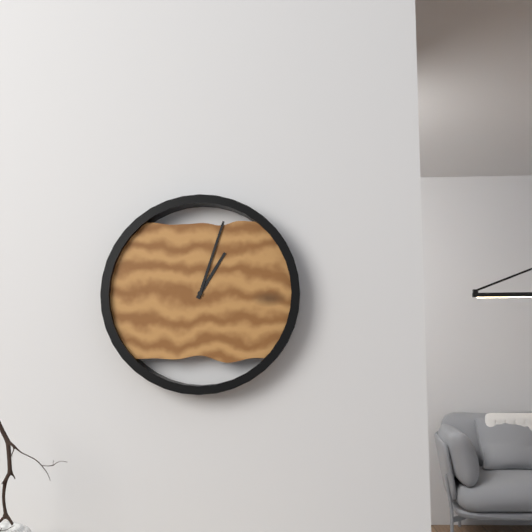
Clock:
1 h 03 min
